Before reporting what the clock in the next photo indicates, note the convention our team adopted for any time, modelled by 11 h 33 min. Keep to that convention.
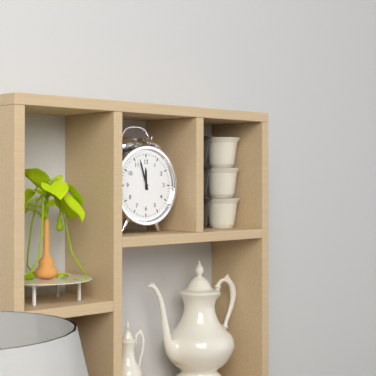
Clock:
11 h 57 min
